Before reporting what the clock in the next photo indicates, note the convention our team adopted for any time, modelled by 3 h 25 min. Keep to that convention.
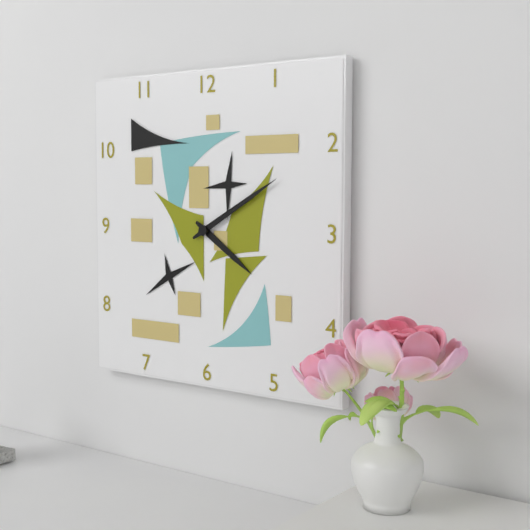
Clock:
4 h 10 min
